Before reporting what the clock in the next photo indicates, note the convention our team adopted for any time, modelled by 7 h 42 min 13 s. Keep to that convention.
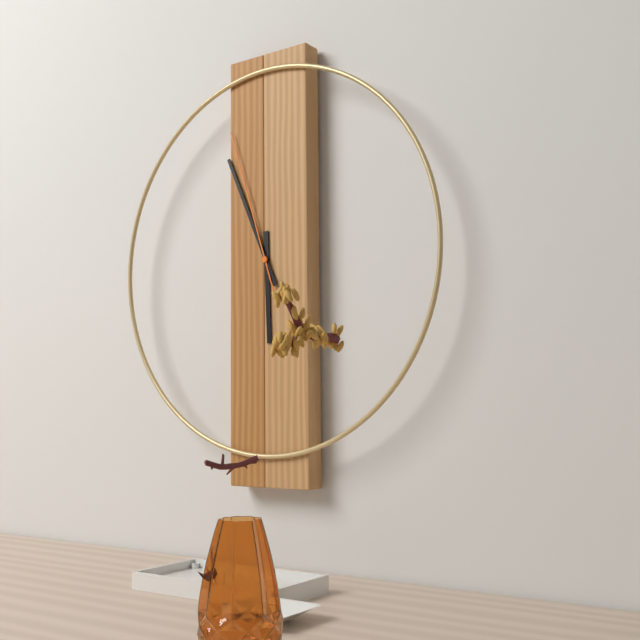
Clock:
5 h 56 min 57 s
